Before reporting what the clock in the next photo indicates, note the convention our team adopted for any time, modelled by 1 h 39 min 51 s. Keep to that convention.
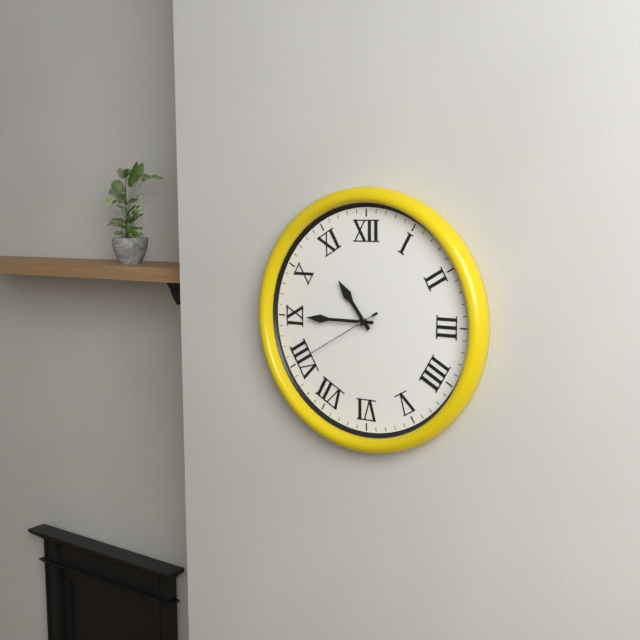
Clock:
10 h 45 min 40 s
